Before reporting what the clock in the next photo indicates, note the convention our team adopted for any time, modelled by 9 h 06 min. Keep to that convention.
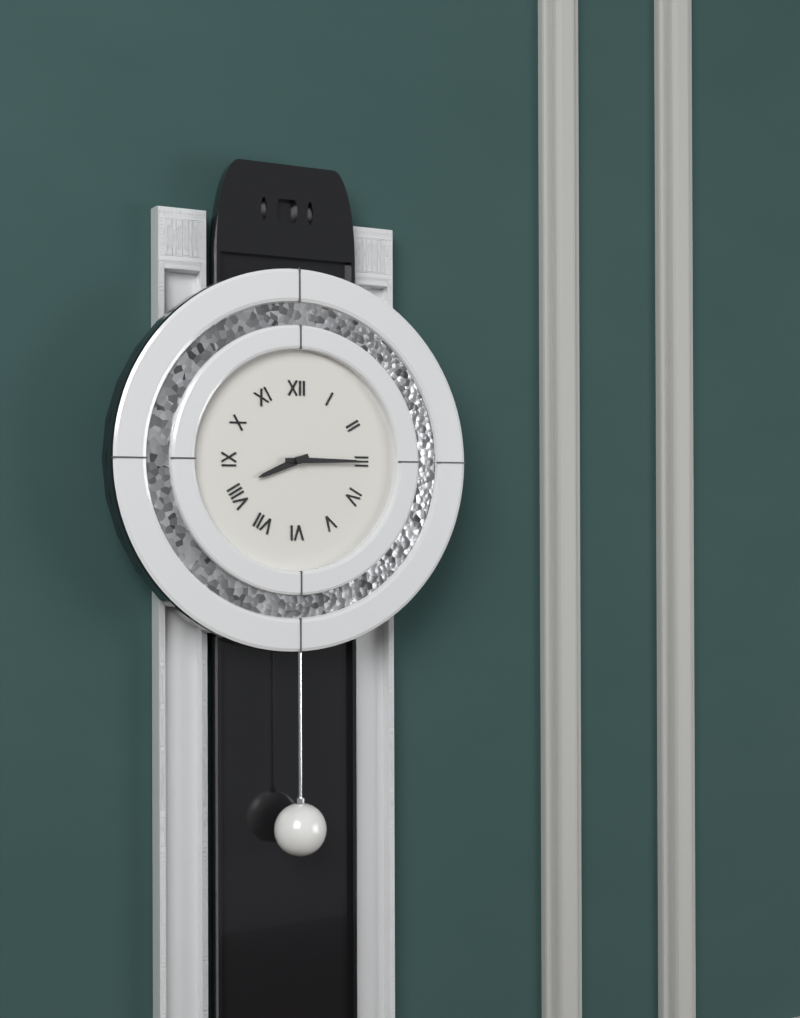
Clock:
8 h 15 min
